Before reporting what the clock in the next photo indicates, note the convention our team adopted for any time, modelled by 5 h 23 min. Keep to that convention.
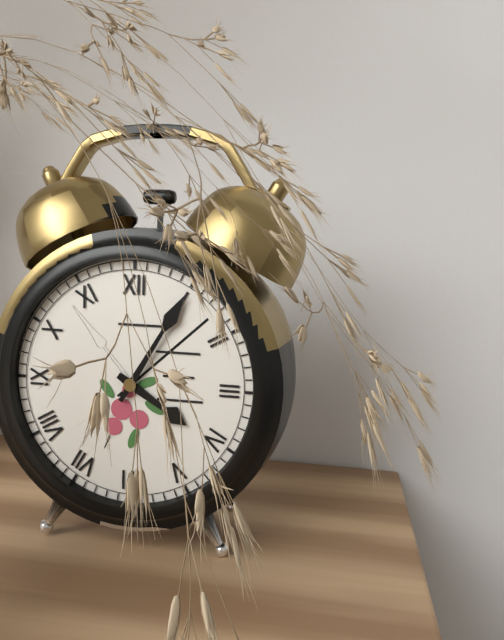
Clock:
4 h 05 min
